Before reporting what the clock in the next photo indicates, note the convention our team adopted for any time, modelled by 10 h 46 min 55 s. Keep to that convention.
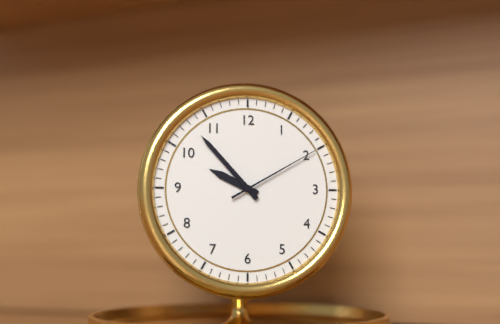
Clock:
9 h 53 min 10 s
